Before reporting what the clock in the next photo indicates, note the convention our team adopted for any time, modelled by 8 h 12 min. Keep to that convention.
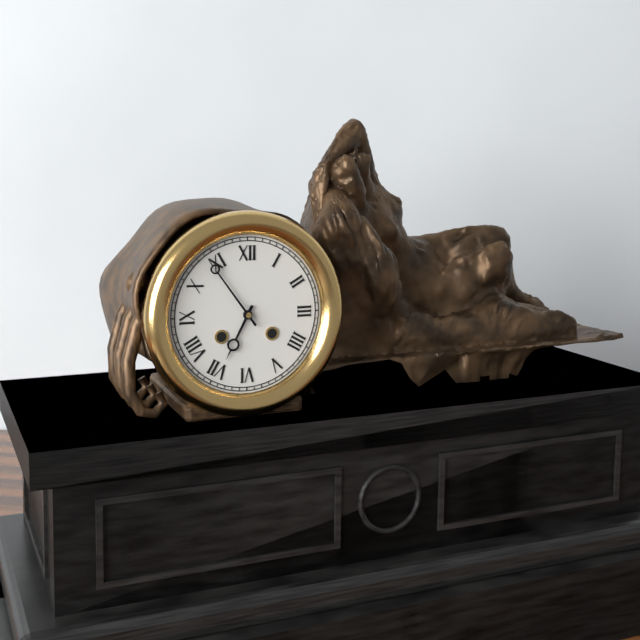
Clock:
6 h 54 min
